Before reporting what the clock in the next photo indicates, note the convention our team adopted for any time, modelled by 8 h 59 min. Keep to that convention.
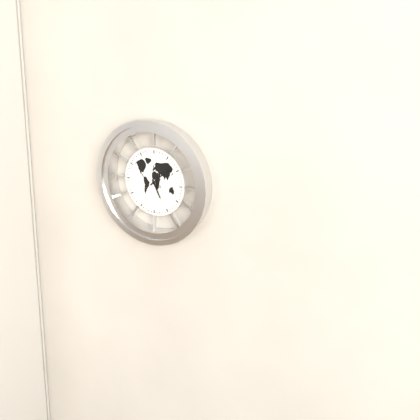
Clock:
5 h 08 min
